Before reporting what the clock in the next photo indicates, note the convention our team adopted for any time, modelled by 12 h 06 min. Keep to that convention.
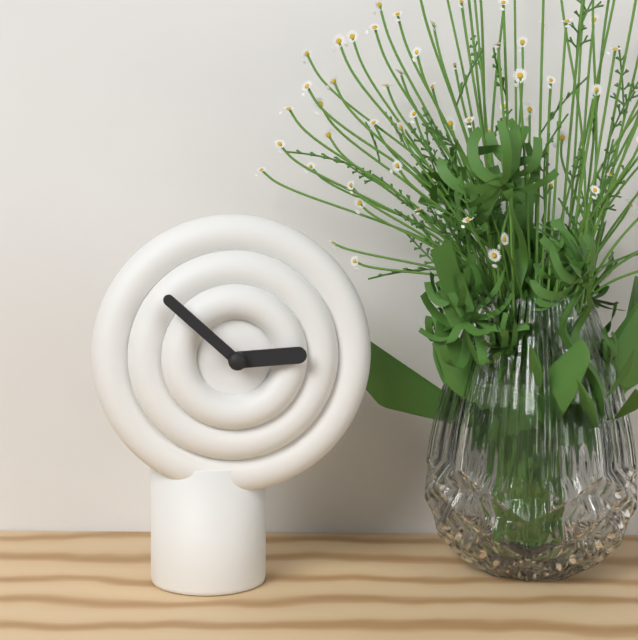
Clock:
2 h 52 min
